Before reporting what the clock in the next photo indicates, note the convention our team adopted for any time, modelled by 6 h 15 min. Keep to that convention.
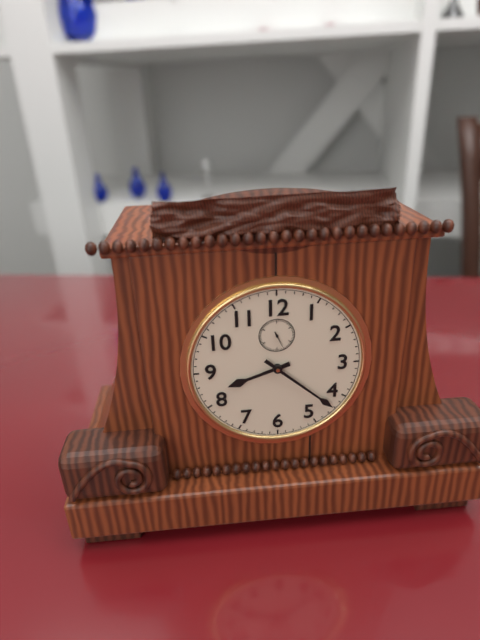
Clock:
8 h 22 min
